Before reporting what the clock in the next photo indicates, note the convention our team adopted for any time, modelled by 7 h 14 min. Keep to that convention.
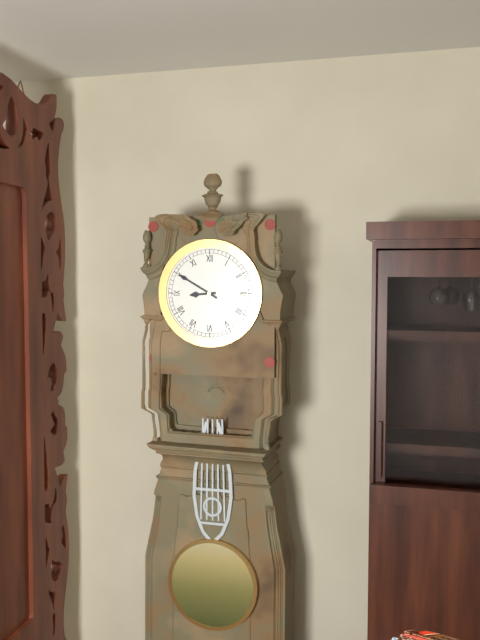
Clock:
8 h 50 min
